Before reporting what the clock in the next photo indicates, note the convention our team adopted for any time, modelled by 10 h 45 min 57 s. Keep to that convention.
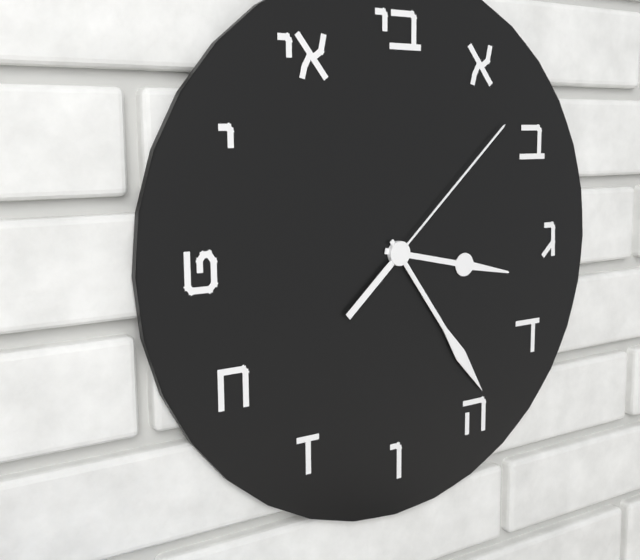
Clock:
3 h 24 min 08 s
